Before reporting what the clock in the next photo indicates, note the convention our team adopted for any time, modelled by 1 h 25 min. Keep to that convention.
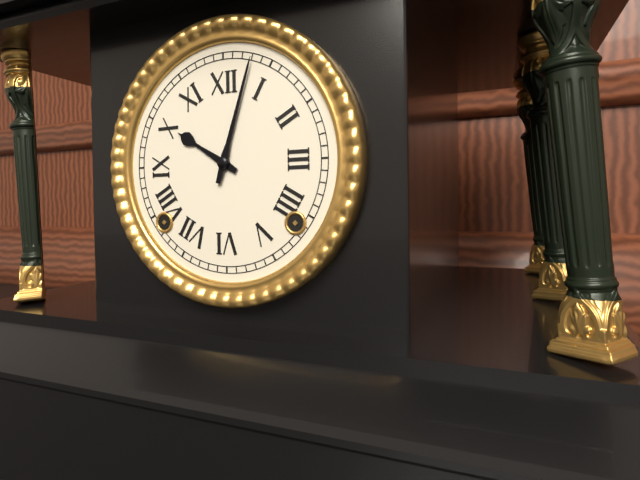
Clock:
10 h 03 min
